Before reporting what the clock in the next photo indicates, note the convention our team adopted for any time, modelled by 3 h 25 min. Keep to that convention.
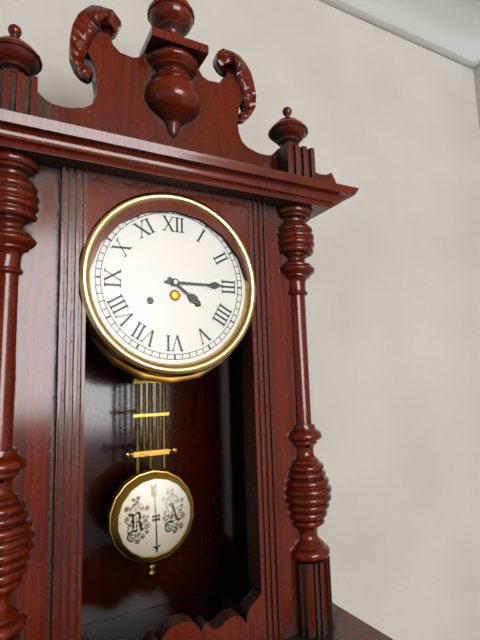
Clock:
4 h 15 min
